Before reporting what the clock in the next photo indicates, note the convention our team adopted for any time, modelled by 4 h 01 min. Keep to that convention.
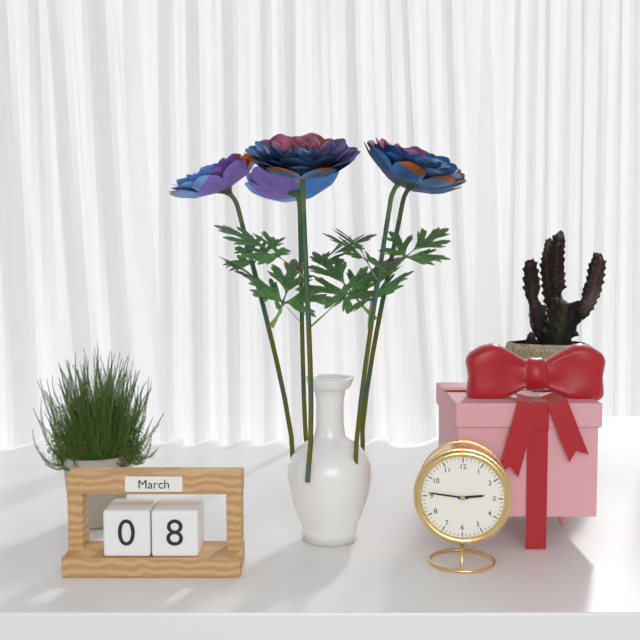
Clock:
2 h 46 min
